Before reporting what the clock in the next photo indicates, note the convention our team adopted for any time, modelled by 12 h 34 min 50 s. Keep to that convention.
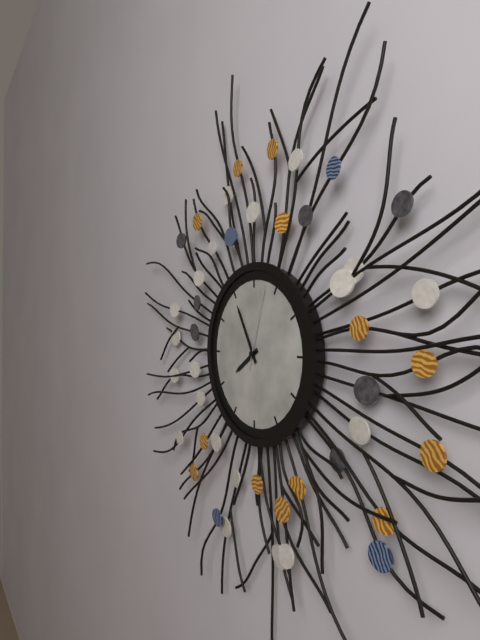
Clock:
7 h 55 min 03 s
